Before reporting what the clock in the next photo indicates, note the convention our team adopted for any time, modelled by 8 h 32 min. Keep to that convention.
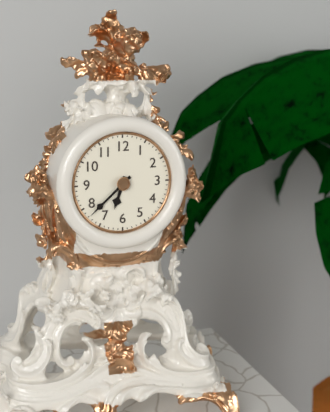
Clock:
6 h 38 min
